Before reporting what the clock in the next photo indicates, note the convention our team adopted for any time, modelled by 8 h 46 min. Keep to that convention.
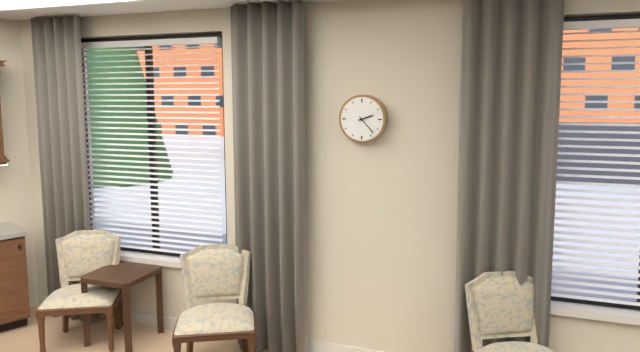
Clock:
2 h 23 min
